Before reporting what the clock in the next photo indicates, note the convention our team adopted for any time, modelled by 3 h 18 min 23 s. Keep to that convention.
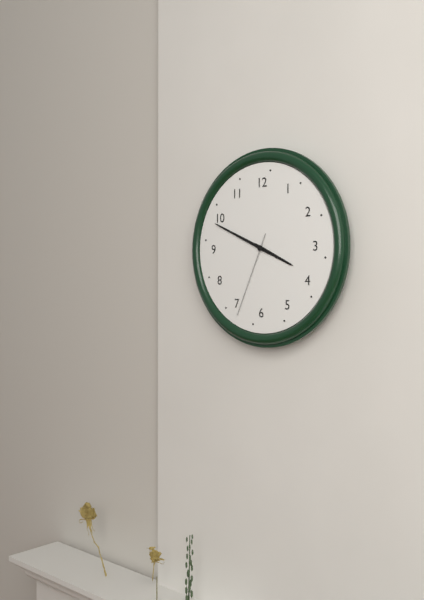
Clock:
3 h 49 min 34 s
